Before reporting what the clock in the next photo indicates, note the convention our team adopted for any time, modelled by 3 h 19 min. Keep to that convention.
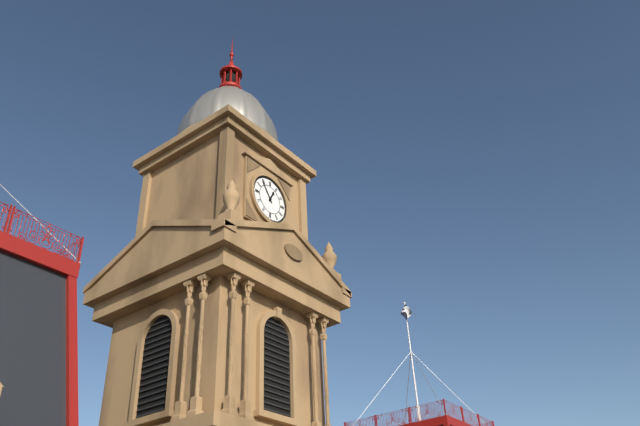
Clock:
12 h 54 min
